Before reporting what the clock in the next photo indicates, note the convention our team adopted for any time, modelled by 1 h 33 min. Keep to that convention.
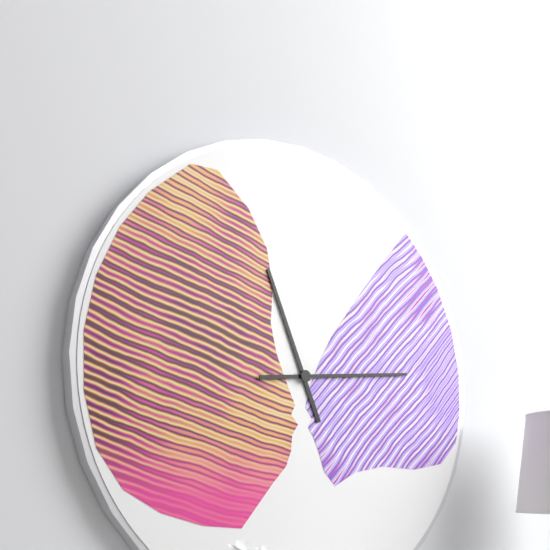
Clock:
11 h 14 min
